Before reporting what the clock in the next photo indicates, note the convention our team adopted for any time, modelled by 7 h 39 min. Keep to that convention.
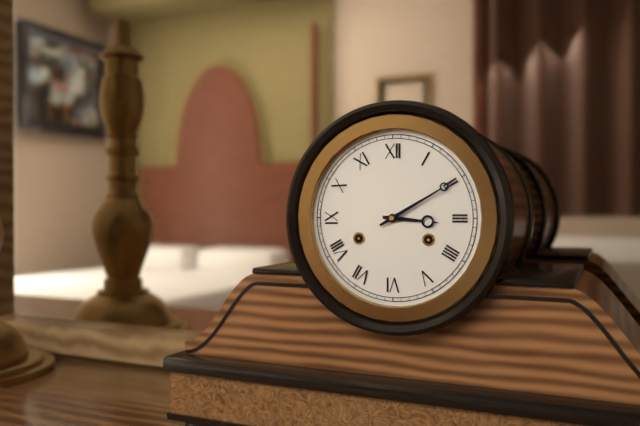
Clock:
3 h 10 min
